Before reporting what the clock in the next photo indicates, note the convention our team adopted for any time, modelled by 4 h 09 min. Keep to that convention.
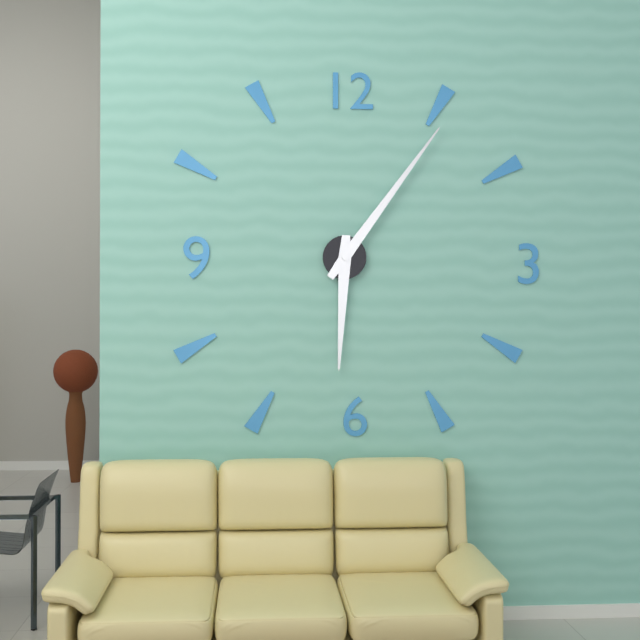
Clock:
6 h 06 min
